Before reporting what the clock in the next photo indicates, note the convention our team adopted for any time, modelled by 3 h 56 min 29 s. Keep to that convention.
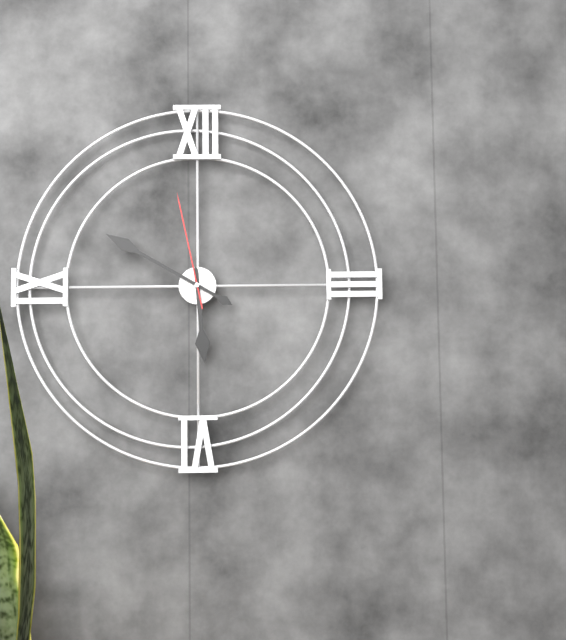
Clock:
5 h 50 min 58 s
